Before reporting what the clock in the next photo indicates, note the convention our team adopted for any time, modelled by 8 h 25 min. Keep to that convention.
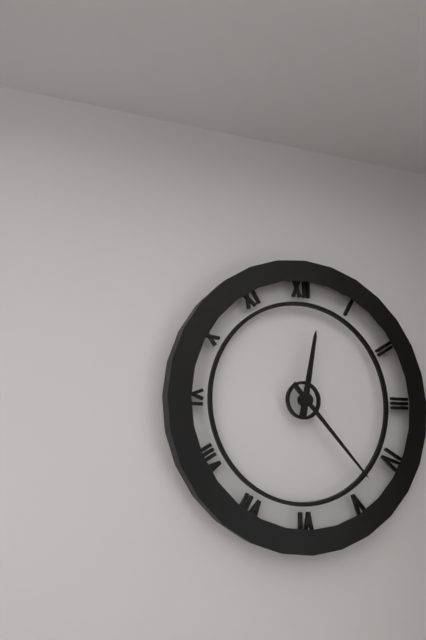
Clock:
12 h 23 min
